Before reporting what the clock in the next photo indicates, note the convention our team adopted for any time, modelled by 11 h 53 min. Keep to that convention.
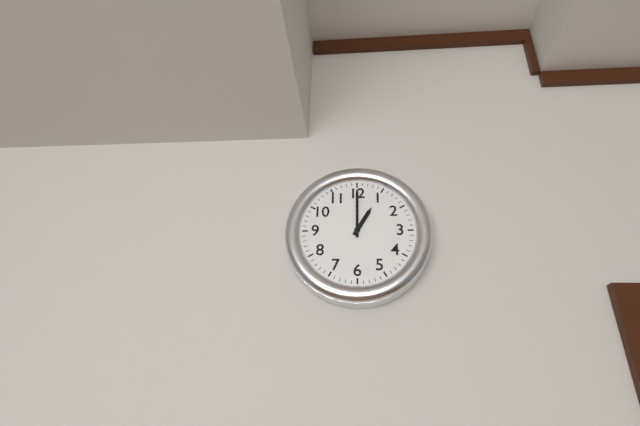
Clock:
1 h 00 min
